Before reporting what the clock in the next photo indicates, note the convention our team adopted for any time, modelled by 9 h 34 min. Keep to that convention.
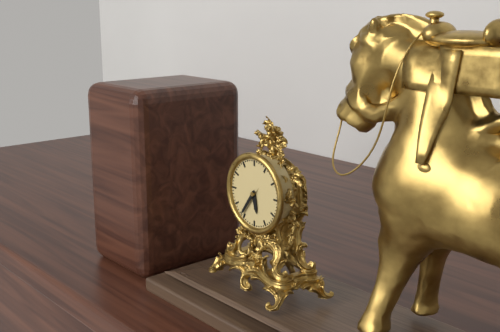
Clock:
5 h 36 min
